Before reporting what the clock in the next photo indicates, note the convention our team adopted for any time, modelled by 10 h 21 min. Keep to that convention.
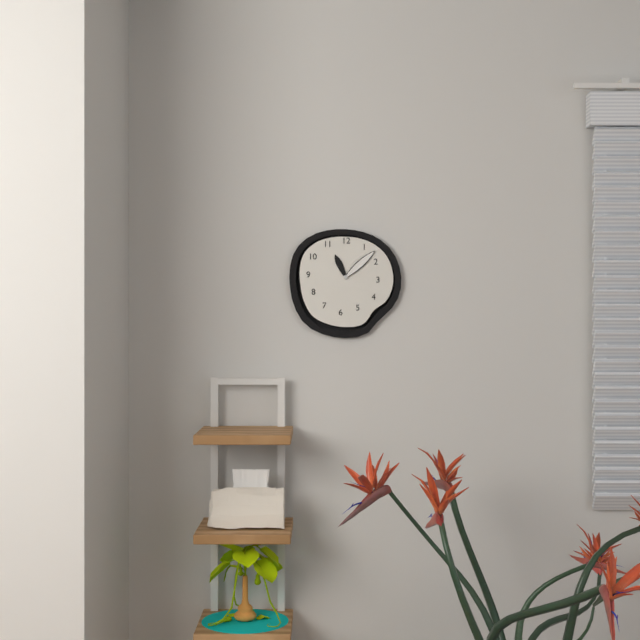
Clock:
11 h 08 min
